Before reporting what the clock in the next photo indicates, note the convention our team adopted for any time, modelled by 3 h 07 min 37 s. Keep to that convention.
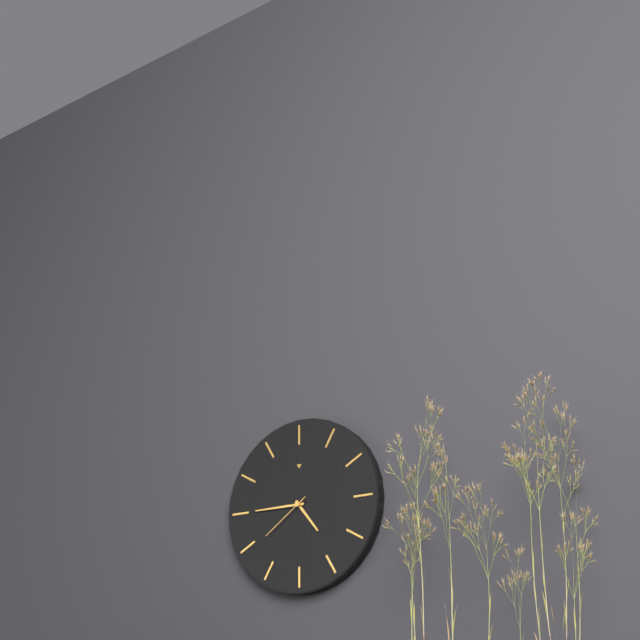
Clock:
4 h 45 min 39 s
